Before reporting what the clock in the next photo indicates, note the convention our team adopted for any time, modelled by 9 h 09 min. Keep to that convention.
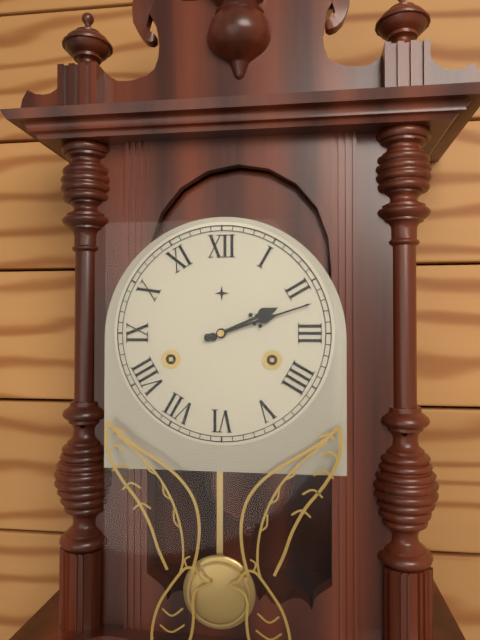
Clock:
2 h 12 min
